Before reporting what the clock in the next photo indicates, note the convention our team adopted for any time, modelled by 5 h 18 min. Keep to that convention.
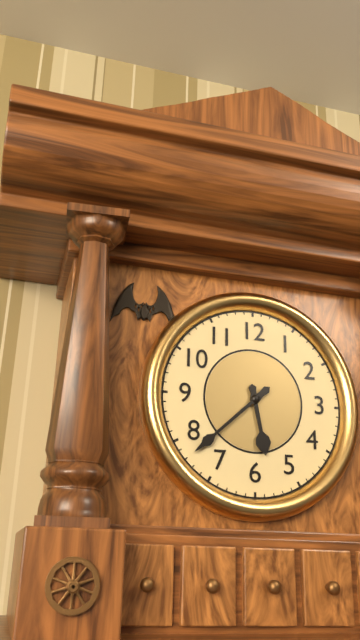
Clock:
5 h 38 min
